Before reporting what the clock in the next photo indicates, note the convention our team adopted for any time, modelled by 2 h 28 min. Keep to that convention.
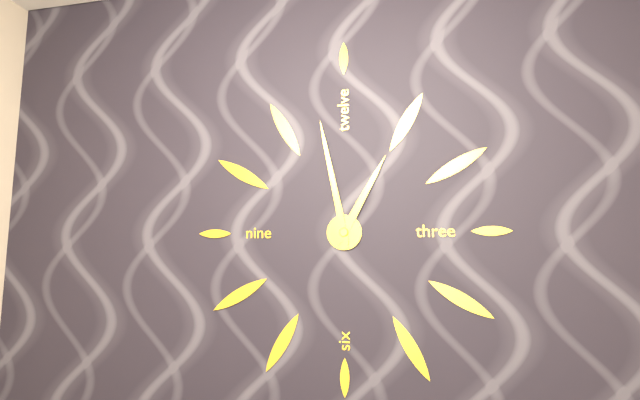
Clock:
12 h 58 min
